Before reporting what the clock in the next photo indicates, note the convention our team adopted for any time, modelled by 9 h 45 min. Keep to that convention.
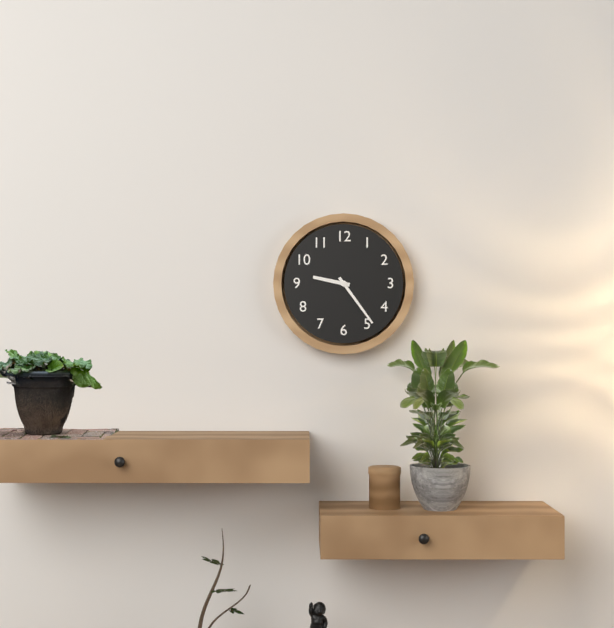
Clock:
9 h 24 min
